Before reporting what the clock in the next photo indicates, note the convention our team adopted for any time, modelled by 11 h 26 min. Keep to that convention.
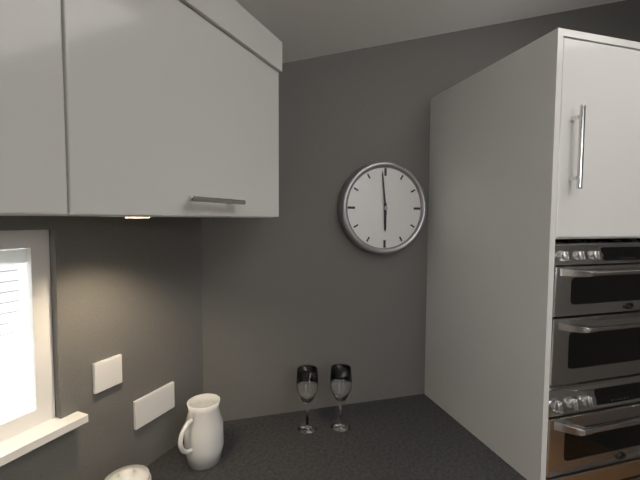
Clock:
5 h 59 min
